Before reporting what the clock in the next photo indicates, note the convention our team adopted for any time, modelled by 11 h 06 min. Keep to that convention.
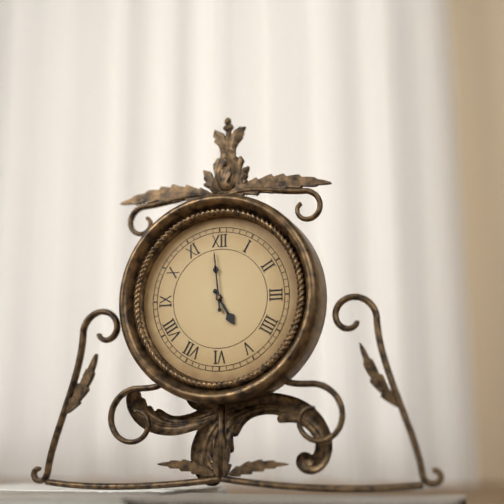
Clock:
4 h 59 min
